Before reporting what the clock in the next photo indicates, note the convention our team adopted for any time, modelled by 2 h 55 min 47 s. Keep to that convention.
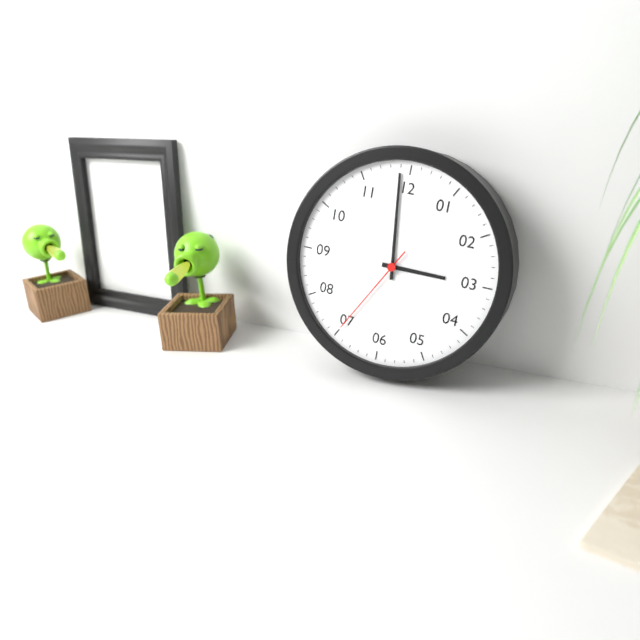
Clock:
2 h 59 min 35 s
